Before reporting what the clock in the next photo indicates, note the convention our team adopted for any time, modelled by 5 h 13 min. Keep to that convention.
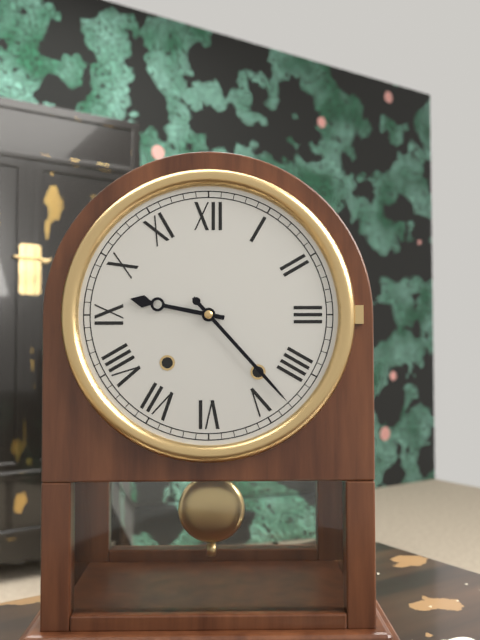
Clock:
9 h 23 min
